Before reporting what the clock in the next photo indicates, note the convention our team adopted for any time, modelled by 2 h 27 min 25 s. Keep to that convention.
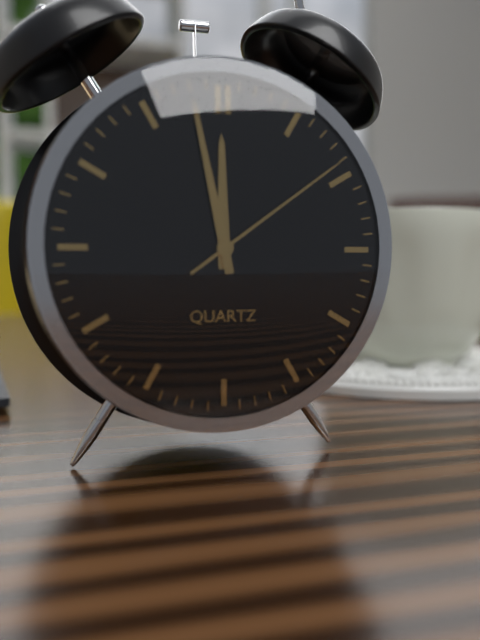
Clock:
11 h 58 min 09 s
